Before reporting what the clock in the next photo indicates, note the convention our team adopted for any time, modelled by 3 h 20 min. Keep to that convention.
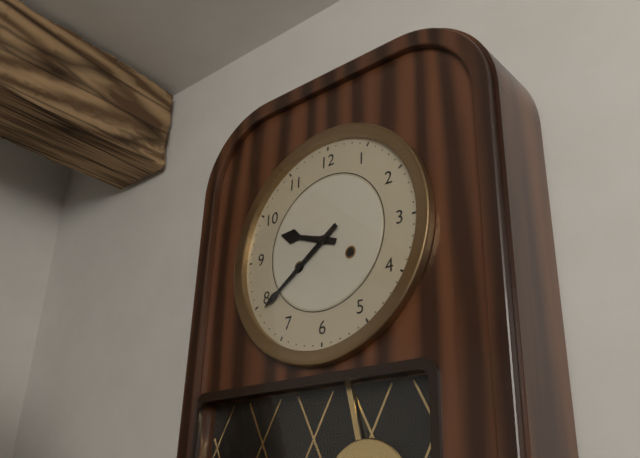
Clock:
9 h 39 min
